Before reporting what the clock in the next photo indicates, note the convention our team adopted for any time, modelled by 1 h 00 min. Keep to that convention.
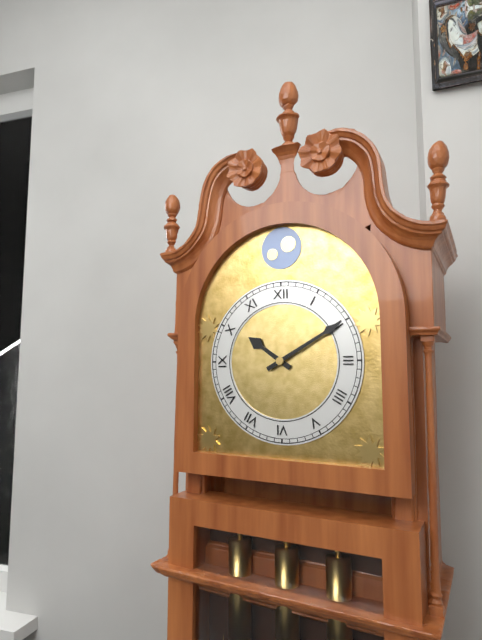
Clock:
10 h 10 min
